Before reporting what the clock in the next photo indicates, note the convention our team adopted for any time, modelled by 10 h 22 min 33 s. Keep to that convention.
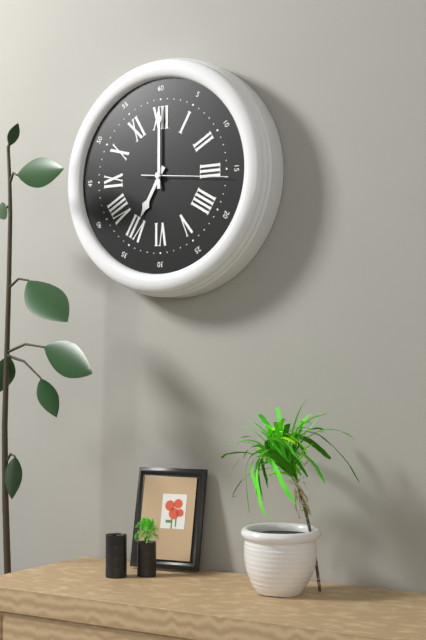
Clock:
7 h 00 min 16 s
